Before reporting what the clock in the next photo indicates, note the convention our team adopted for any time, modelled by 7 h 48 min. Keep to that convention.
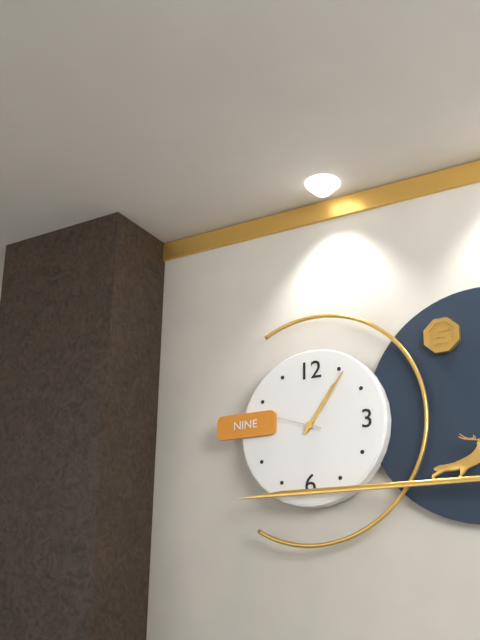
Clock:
1 h 06 min
